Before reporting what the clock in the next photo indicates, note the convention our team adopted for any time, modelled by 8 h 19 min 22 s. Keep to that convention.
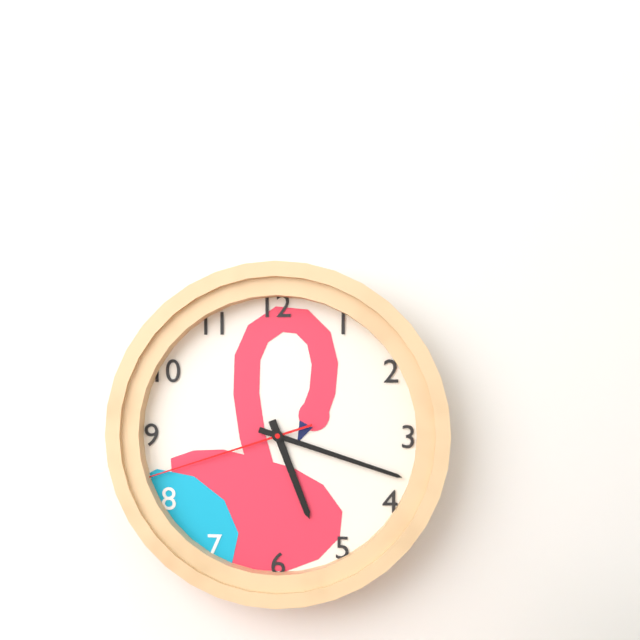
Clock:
5 h 18 min 42 s
